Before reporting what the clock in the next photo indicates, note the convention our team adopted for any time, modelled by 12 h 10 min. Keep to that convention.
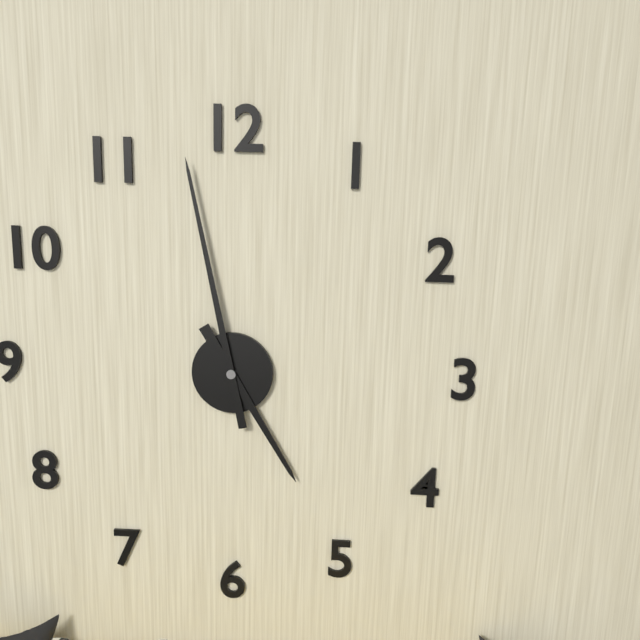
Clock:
4 h 58 min
